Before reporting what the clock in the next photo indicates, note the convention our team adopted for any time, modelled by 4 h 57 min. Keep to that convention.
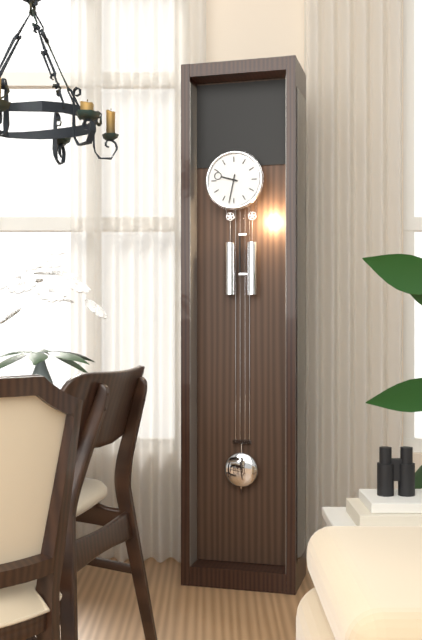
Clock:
9 h 32 min
